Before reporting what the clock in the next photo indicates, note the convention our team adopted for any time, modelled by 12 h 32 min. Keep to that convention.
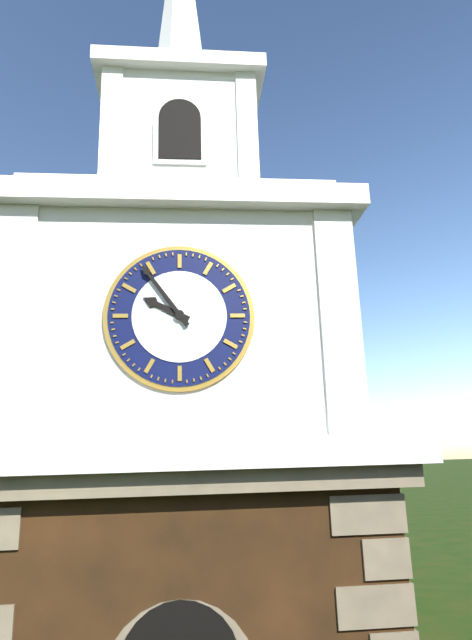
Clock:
9 h 54 min
